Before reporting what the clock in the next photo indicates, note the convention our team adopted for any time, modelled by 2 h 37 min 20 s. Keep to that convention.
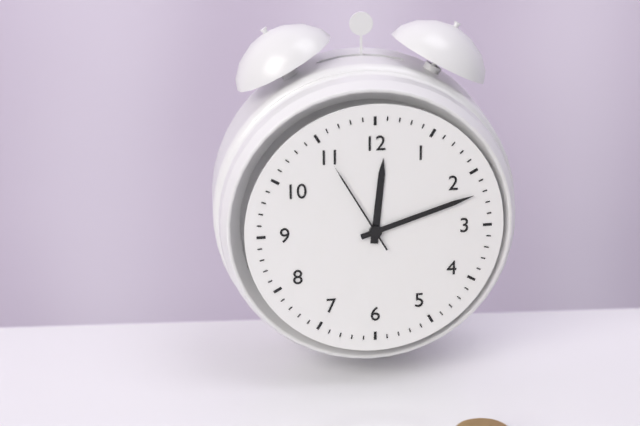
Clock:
12 h 12 min 55 s
